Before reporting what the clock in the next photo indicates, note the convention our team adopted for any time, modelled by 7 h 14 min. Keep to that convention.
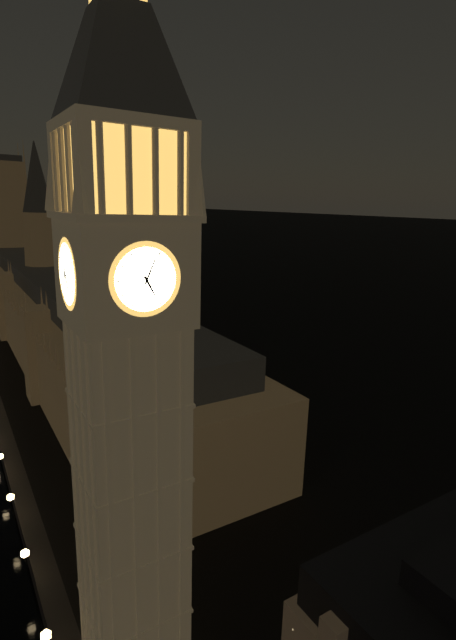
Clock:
5 h 04 min
